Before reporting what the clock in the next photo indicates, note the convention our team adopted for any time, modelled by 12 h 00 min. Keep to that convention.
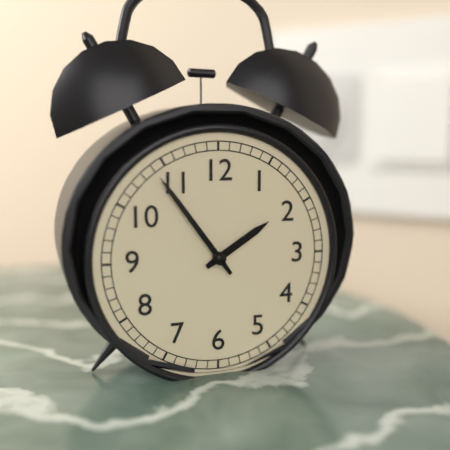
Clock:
1 h 54 min
